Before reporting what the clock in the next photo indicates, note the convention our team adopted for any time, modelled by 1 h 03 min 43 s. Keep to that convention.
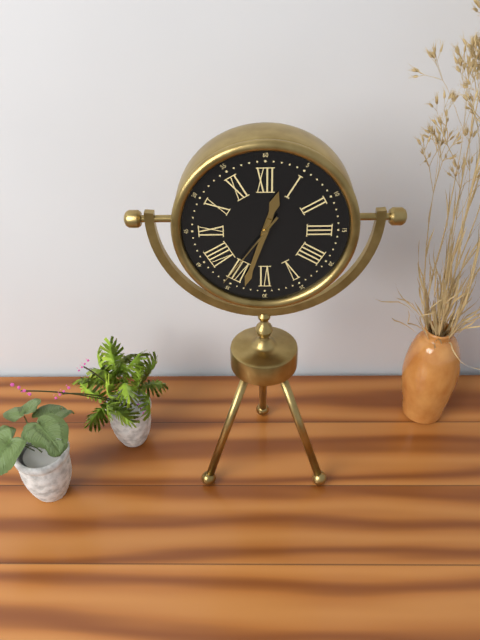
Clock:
12 h 33 min 36 s
